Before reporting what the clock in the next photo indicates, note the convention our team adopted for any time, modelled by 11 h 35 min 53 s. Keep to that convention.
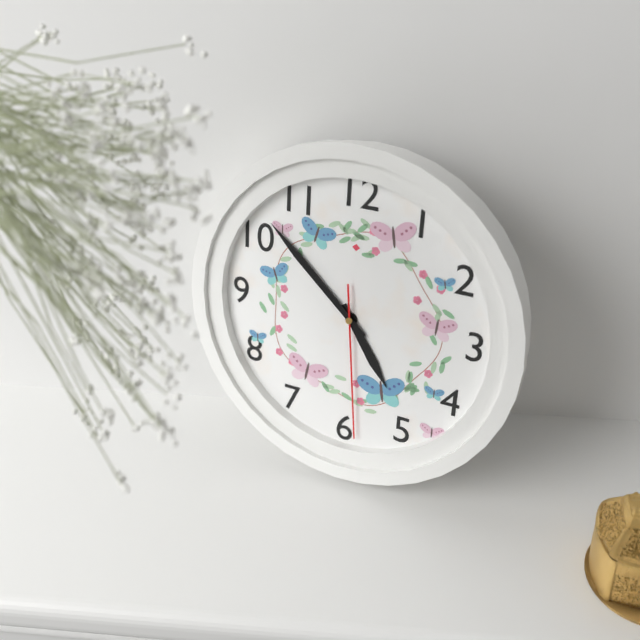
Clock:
4 h 52 min 29 s
